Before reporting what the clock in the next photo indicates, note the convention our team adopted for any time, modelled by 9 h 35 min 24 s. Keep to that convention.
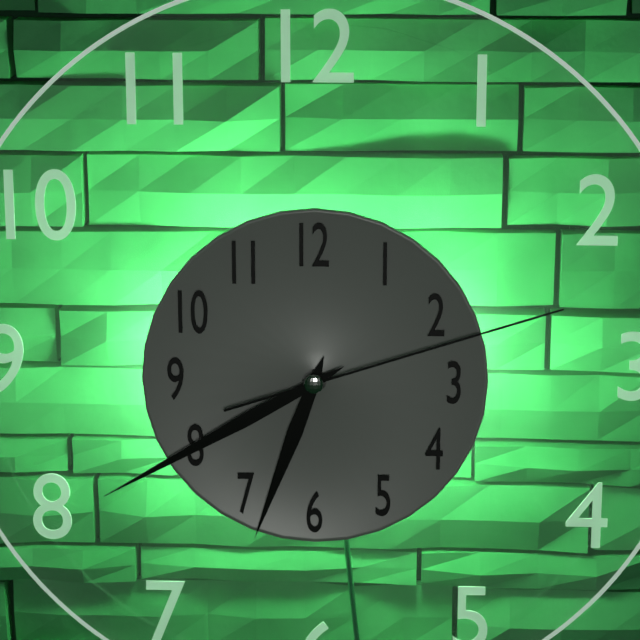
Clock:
6 h 40 min 12 s
